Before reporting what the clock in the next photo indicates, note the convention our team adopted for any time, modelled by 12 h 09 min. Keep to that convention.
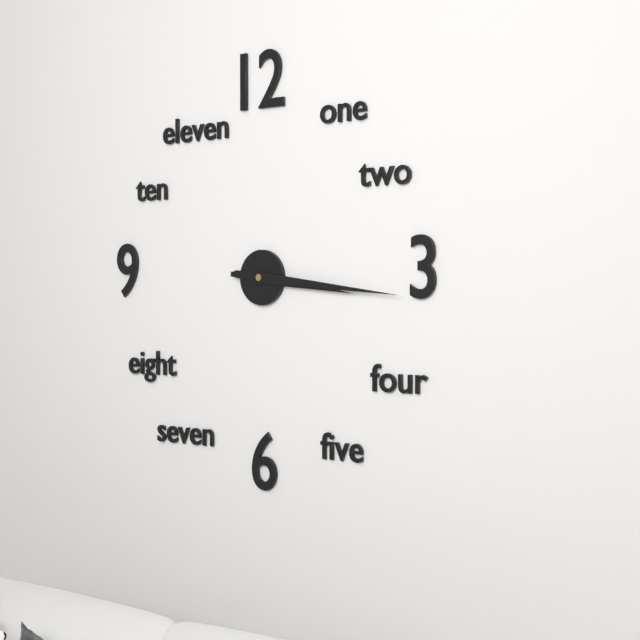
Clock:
3 h 16 min
